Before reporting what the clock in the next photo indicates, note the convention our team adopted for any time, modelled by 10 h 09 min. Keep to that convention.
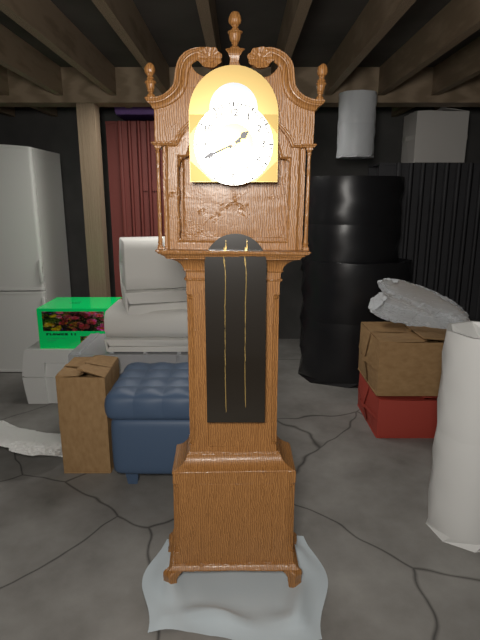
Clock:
1 h 41 min
